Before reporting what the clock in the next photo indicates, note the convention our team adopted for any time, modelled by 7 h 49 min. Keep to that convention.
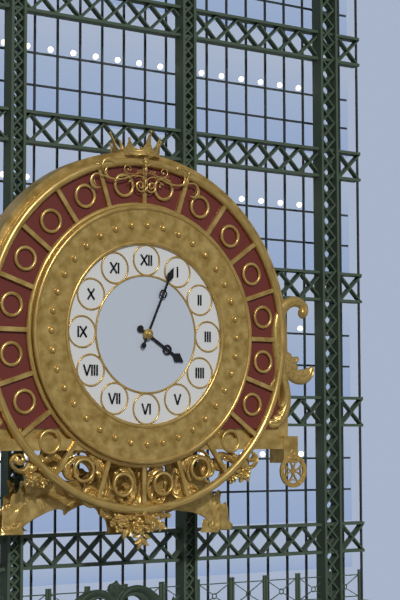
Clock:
4 h 04 min
